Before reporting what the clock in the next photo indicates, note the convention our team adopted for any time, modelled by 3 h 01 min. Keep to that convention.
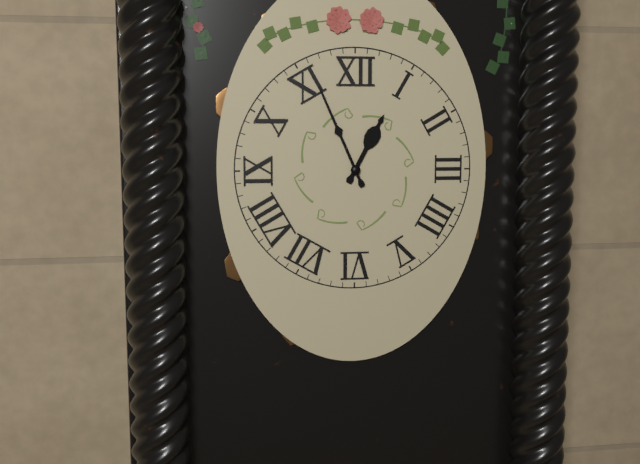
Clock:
12 h 56 min
